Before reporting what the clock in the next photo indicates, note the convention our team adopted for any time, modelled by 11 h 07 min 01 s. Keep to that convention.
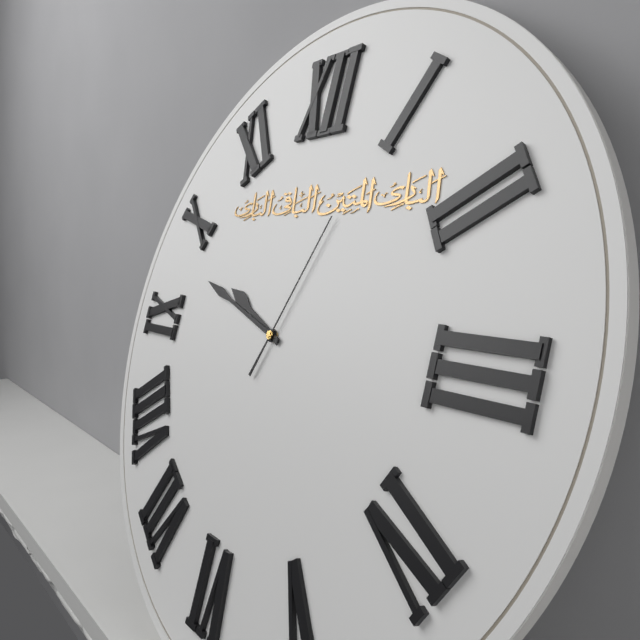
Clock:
9 h 48 min 04 s
